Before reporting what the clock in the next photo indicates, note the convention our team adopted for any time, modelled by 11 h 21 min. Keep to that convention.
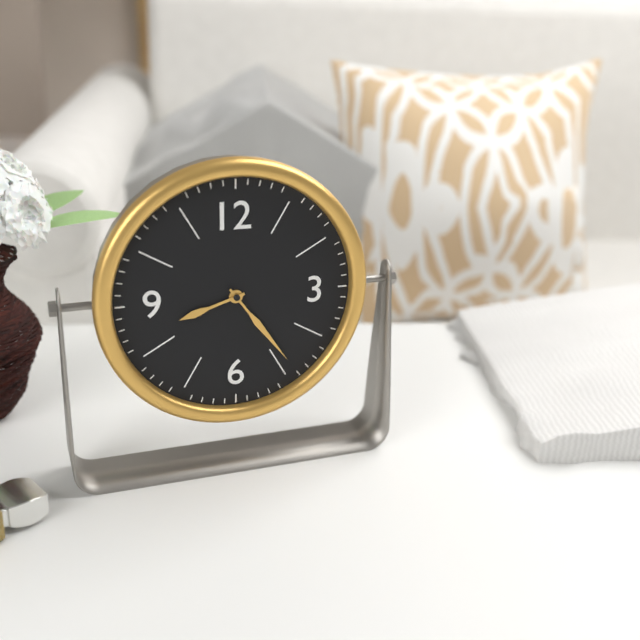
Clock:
8 h 24 min
